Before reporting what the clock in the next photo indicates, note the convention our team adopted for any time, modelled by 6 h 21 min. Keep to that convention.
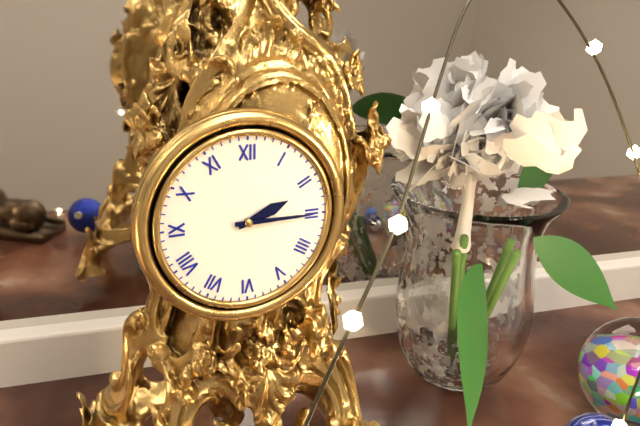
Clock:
2 h 15 min
